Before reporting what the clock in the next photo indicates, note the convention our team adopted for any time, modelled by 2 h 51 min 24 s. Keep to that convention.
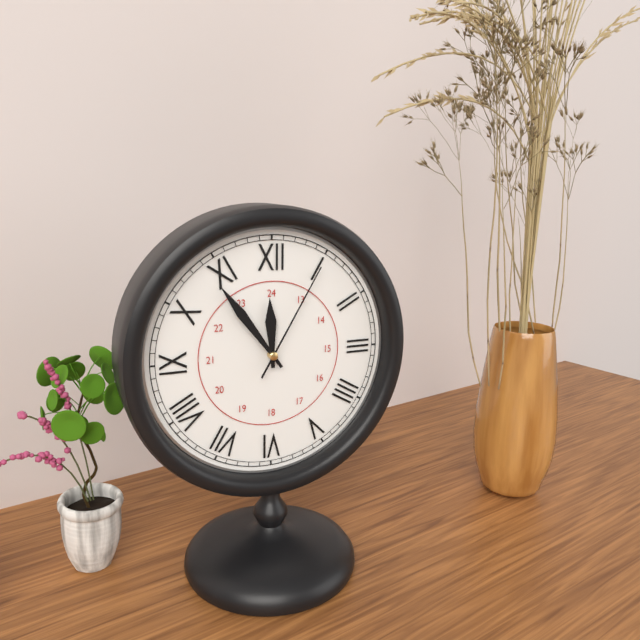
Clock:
11 h 54 min 05 s
